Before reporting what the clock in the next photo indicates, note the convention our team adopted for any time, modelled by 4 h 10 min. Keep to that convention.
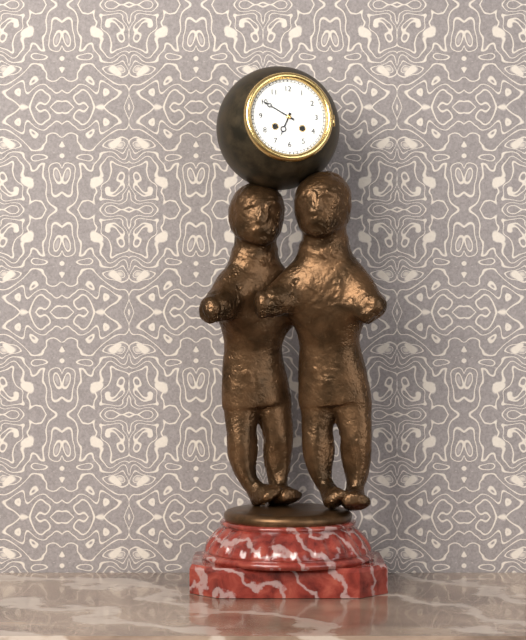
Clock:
6 h 50 min
